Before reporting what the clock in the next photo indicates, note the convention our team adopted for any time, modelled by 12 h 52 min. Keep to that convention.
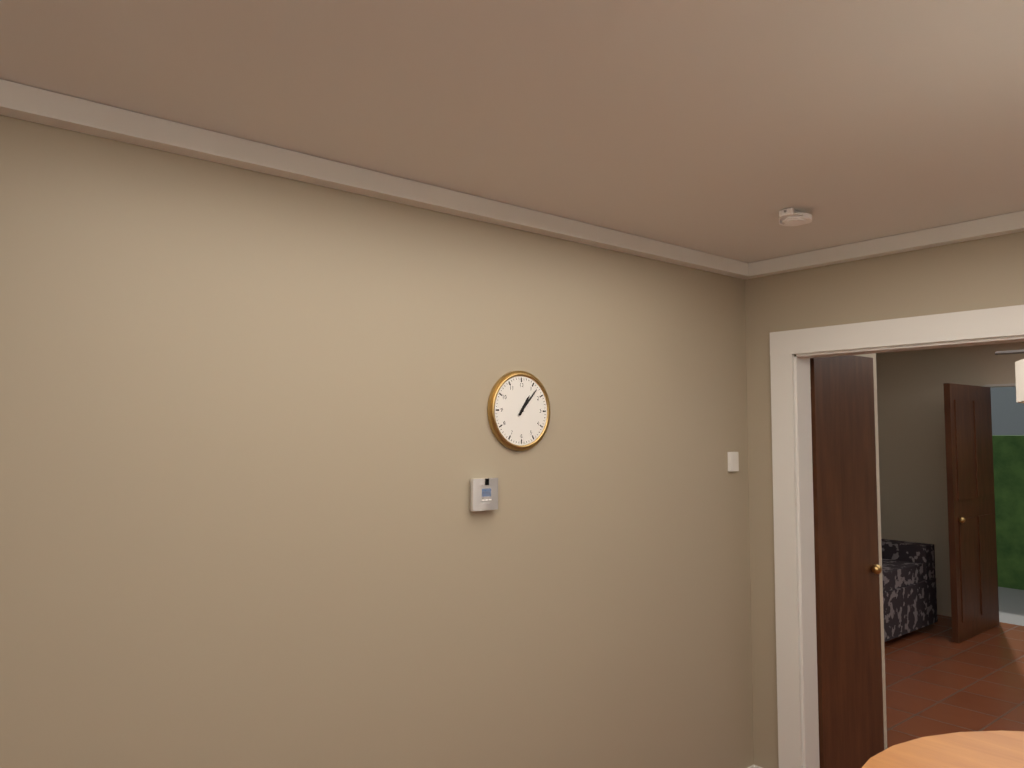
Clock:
1 h 07 min
